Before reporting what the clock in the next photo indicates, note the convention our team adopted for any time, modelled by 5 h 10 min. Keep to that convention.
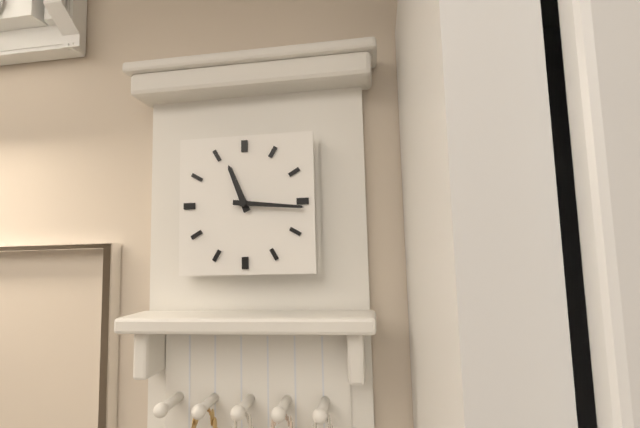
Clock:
11 h 16 min
